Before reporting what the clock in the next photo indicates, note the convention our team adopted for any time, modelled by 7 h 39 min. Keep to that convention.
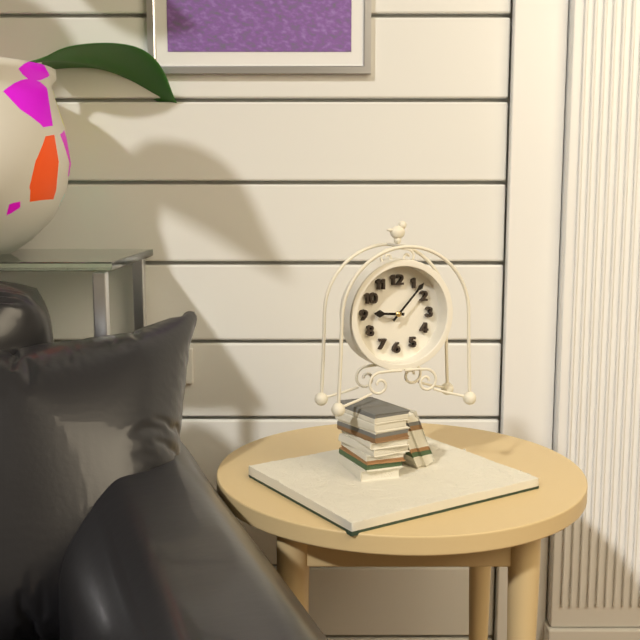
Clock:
9 h 07 min
